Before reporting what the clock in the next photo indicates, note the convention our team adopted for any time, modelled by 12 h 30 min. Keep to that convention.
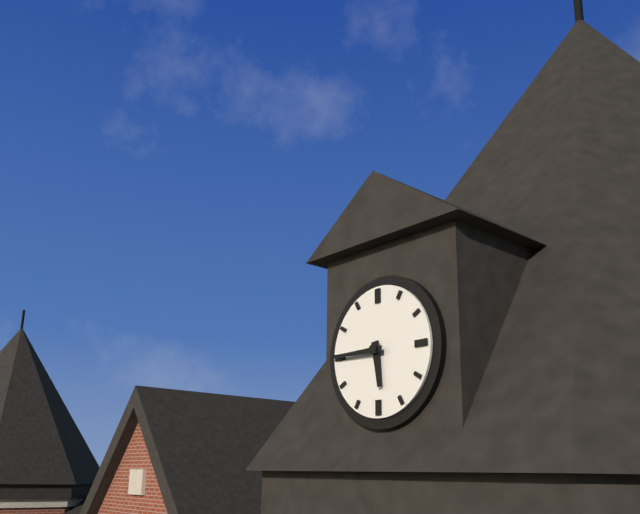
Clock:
5 h 45 min
